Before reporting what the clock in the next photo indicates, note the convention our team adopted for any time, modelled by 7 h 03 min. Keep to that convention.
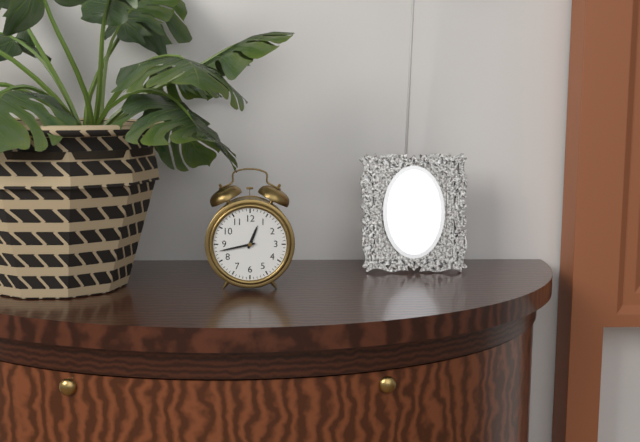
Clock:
12 h 43 min
